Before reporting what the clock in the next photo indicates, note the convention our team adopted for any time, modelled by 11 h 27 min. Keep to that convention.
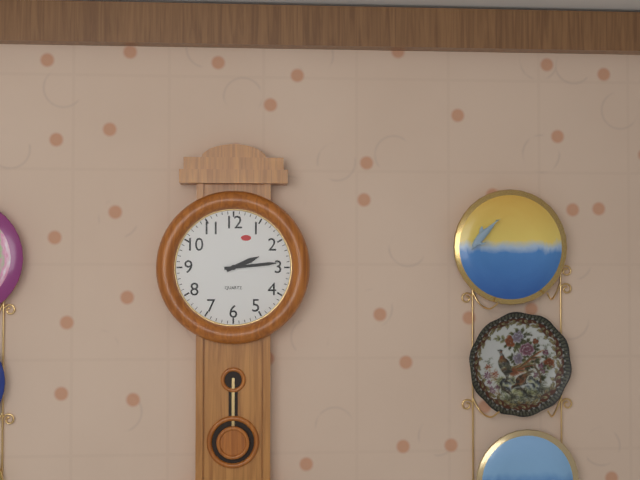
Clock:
2 h 14 min
